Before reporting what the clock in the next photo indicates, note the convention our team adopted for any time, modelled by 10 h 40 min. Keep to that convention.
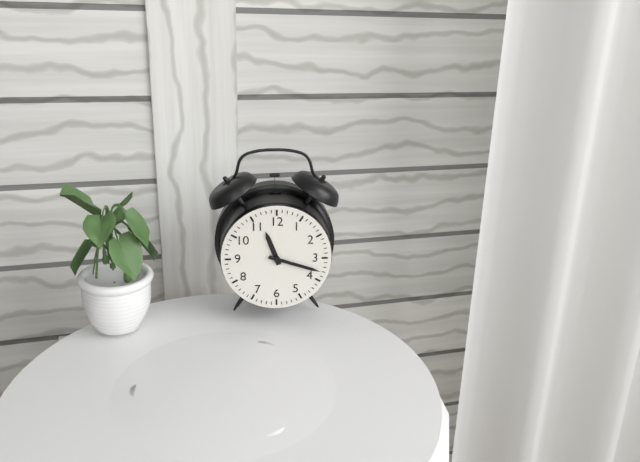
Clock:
11 h 18 min
